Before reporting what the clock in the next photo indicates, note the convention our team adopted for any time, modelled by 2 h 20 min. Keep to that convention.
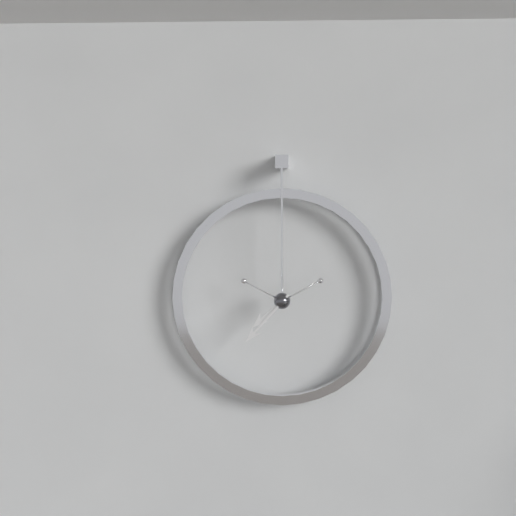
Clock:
7 h 37 min
